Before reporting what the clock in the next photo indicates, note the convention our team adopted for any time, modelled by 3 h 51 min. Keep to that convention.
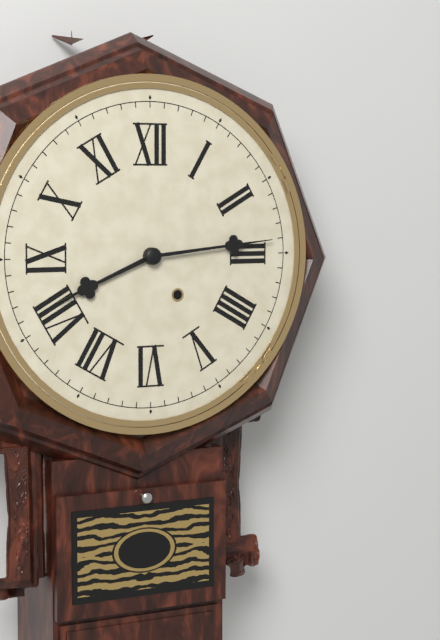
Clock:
8 h 14 min
